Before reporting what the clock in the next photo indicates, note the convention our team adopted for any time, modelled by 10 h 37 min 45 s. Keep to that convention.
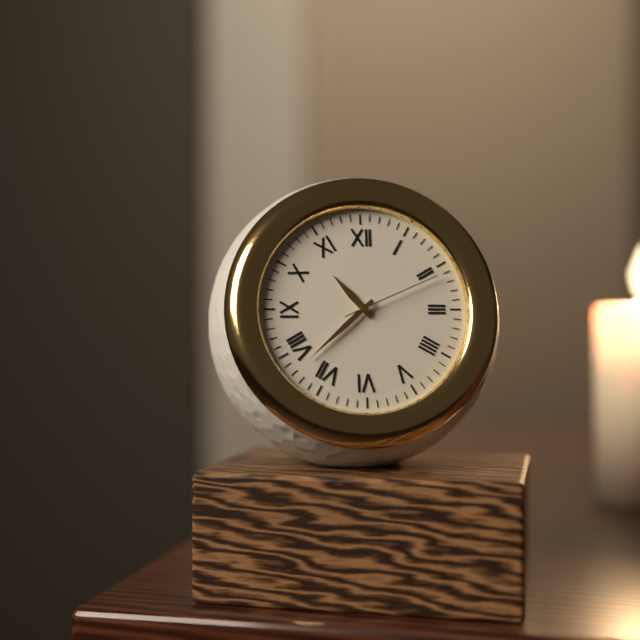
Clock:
10 h 38 min 11 s
